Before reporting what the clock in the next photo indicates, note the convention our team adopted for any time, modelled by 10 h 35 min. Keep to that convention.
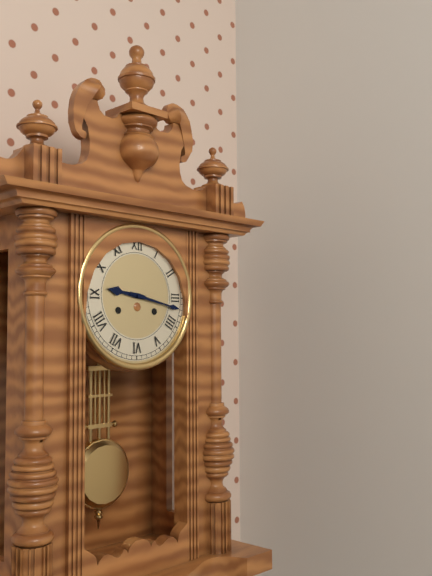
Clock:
9 h 17 min
